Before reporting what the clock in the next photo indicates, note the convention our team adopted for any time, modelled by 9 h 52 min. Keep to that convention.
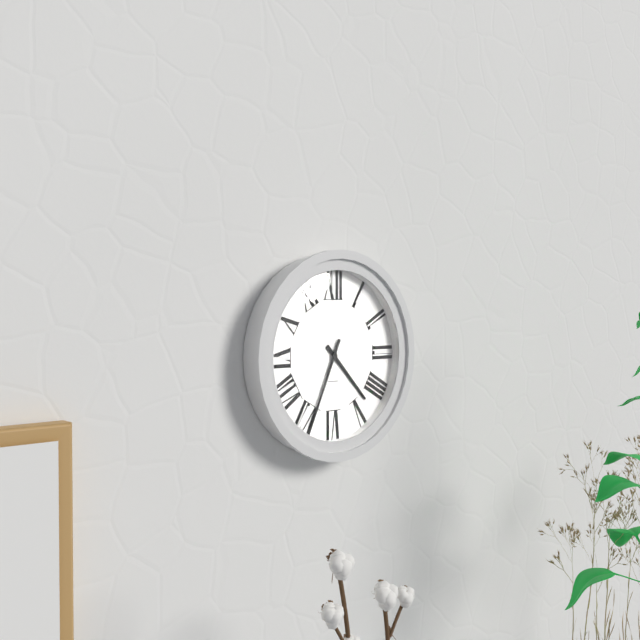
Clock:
4 h 34 min
